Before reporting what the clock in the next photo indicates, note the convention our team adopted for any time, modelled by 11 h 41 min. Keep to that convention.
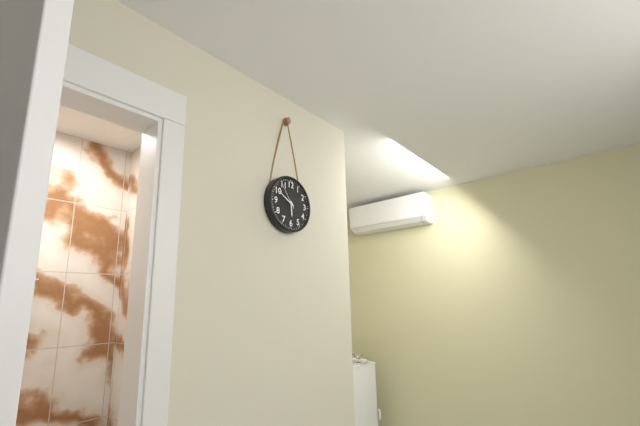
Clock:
5 h 50 min
